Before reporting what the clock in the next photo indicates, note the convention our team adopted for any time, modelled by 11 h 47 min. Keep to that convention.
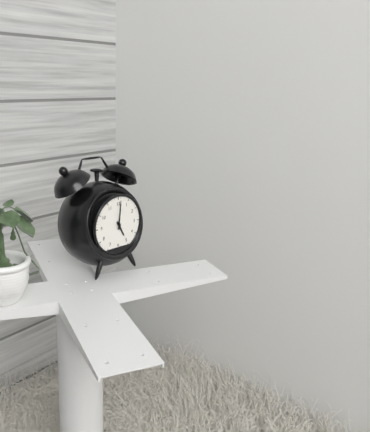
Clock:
5 h 01 min
